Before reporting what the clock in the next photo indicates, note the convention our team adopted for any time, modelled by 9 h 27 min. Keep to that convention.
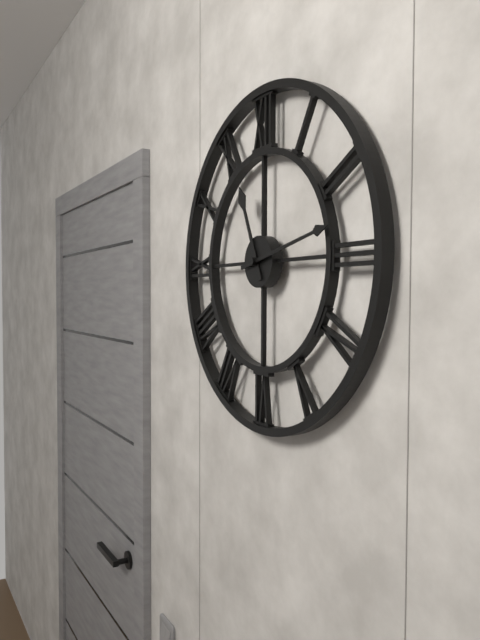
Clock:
11 h 13 min
